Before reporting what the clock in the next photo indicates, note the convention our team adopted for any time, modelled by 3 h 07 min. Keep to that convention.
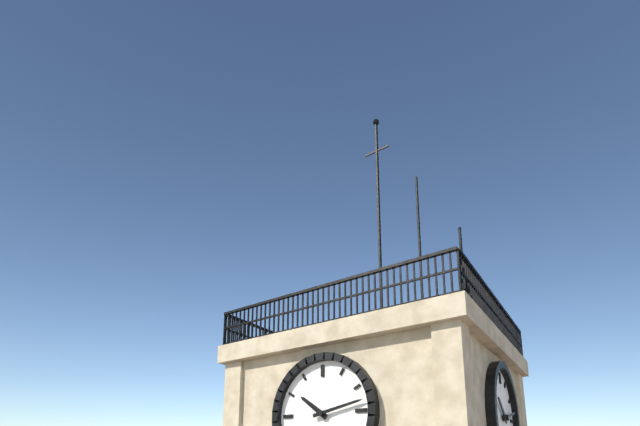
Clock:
10 h 13 min
